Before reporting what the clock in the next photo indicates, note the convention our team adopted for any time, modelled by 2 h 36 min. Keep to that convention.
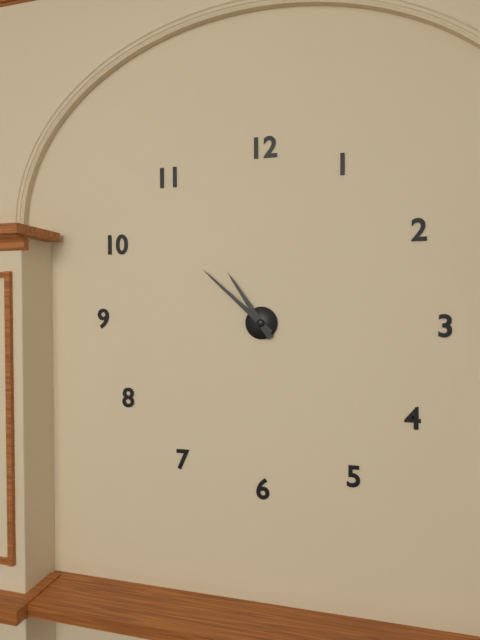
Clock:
10 h 52 min
